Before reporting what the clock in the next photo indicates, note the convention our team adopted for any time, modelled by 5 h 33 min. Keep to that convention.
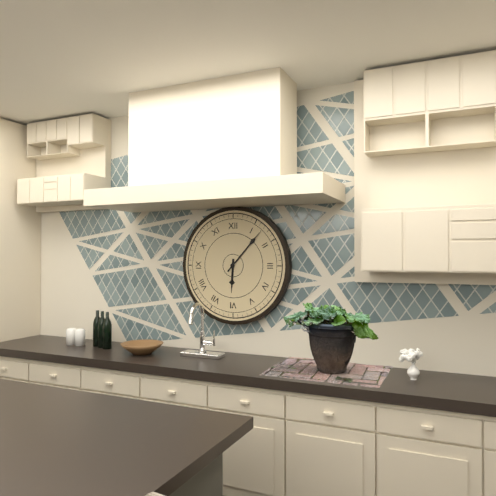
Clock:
6 h 07 min
